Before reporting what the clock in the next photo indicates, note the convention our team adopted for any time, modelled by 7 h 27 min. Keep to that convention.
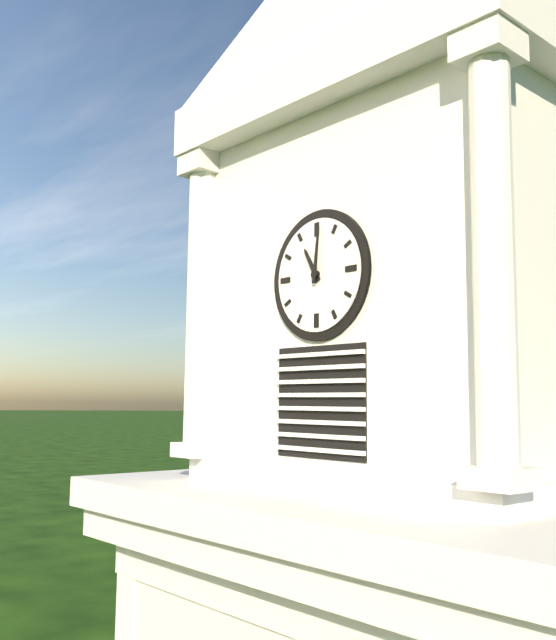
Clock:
11 h 01 min
